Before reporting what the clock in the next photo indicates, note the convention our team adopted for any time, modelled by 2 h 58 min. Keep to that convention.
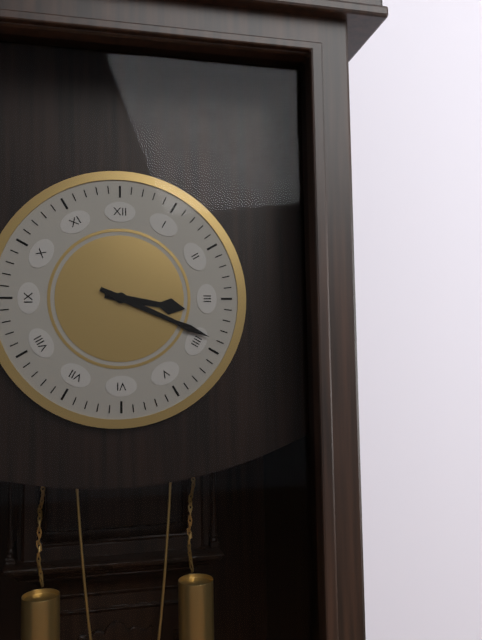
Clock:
3 h 19 min
